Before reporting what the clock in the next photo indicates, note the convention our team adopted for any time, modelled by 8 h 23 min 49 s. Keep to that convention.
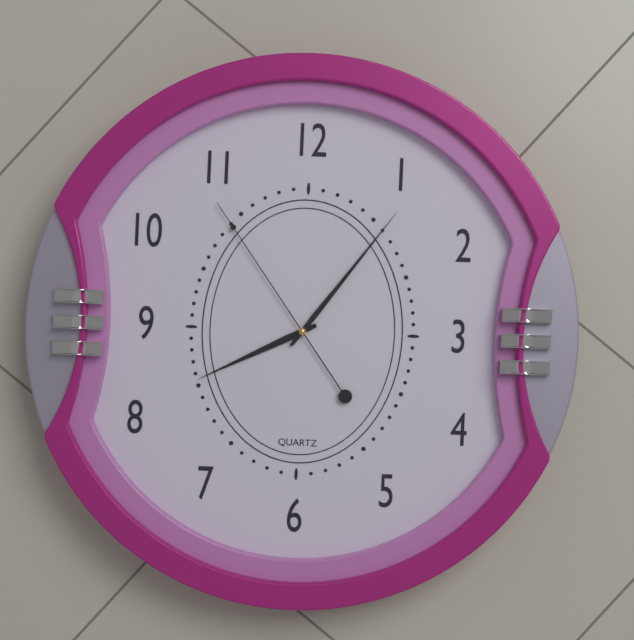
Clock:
8 h 06 min 54 s
